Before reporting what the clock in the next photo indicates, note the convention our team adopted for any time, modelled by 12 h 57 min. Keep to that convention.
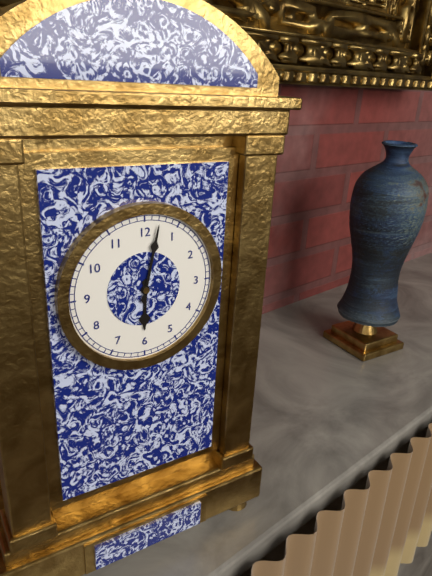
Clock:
6 h 02 min
